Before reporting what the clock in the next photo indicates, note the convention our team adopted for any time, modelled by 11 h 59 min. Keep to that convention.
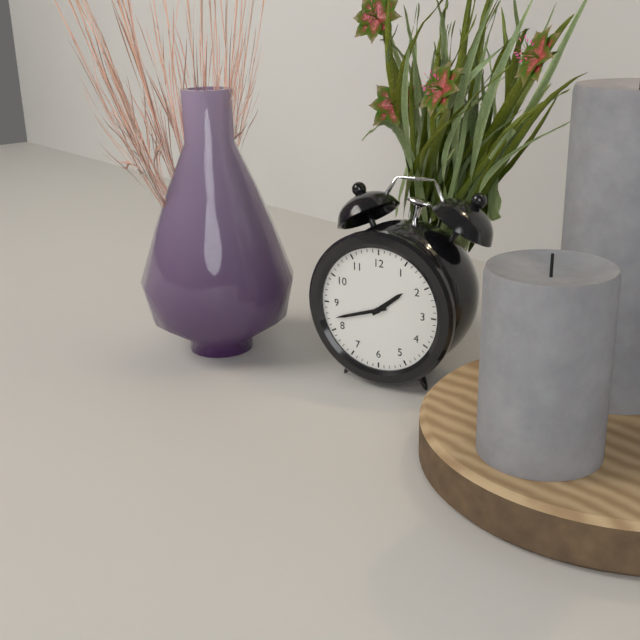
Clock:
1 h 42 min
